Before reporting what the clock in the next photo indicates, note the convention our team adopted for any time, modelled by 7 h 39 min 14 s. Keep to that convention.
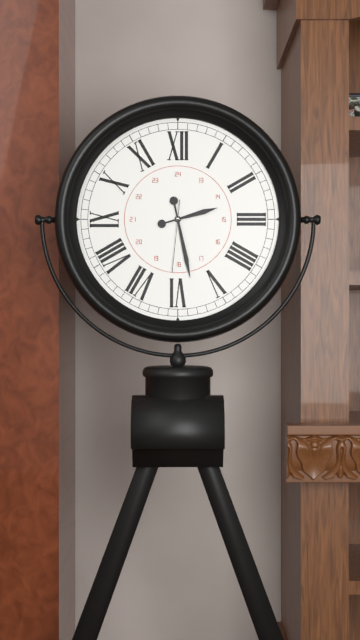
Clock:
2 h 28 min 31 s
